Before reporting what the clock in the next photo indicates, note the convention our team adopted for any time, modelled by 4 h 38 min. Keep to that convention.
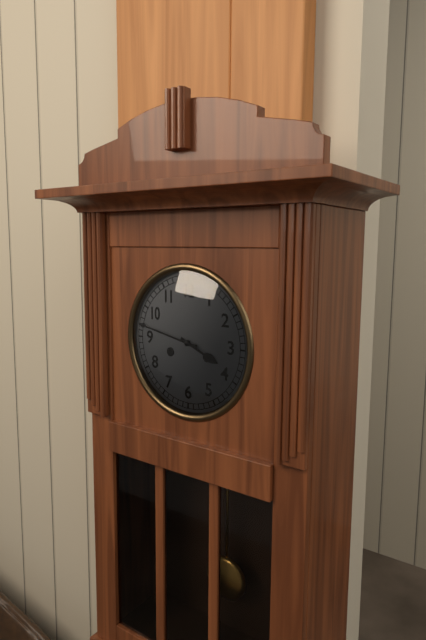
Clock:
3 h 47 min
